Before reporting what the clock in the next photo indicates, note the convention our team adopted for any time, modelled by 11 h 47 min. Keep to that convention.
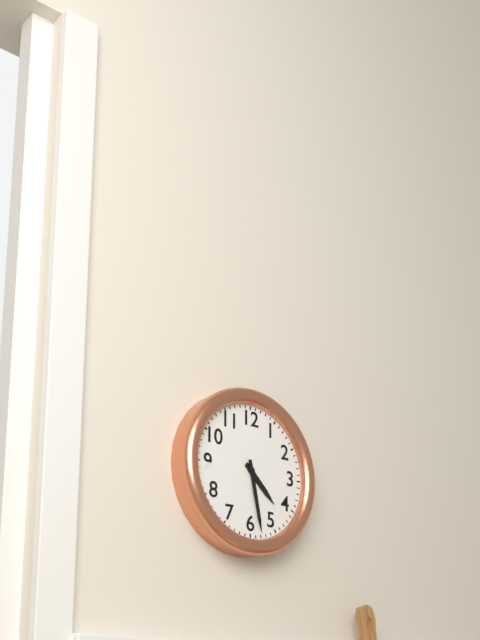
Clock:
4 h 28 min
